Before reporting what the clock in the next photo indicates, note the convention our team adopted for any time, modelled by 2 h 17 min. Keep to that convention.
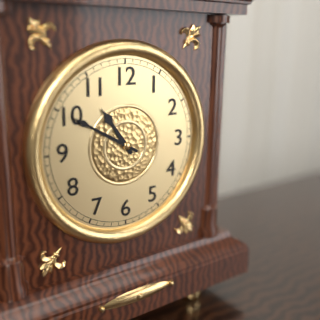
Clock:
10 h 50 min
